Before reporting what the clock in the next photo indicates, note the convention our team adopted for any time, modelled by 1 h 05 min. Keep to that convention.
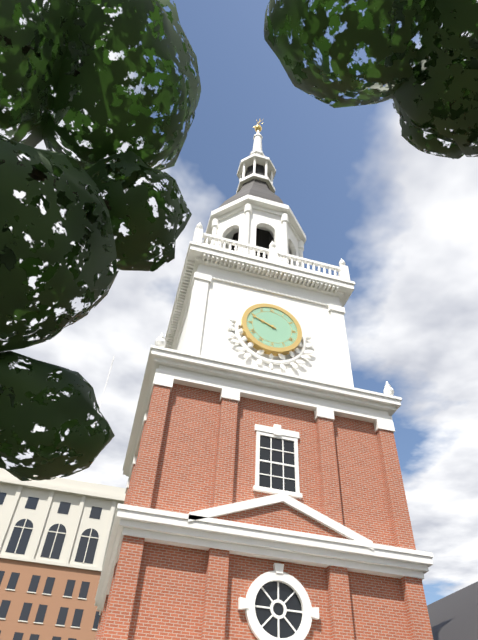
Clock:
9 h 49 min
